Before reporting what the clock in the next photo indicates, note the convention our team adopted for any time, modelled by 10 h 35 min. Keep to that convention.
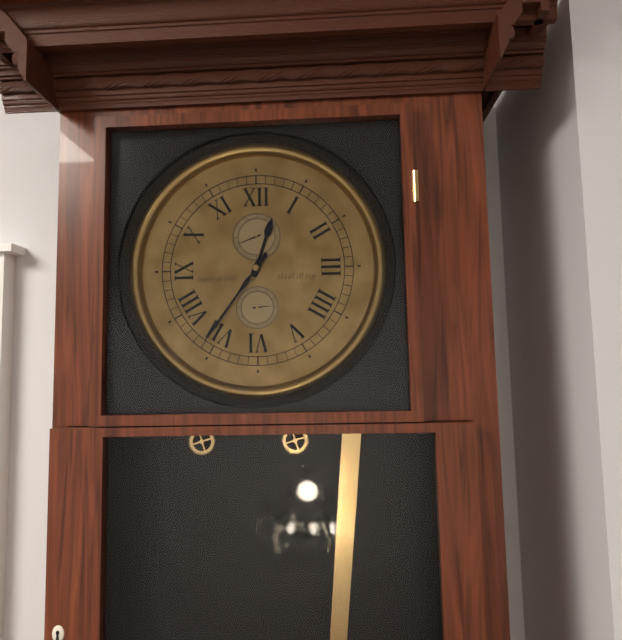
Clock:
12 h 36 min
